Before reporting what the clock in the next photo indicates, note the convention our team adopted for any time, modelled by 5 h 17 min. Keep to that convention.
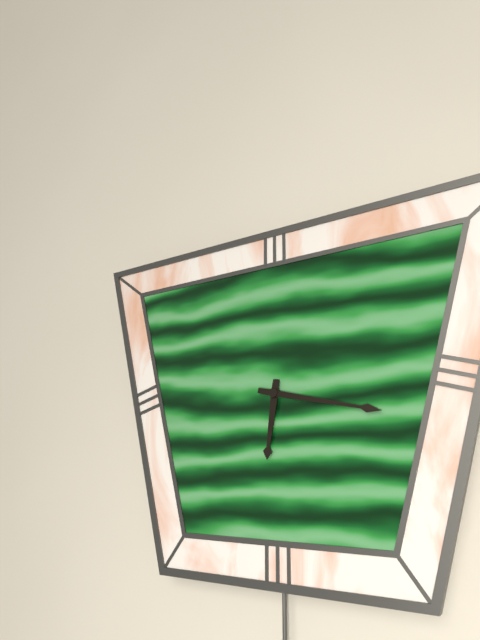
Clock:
6 h 17 min
